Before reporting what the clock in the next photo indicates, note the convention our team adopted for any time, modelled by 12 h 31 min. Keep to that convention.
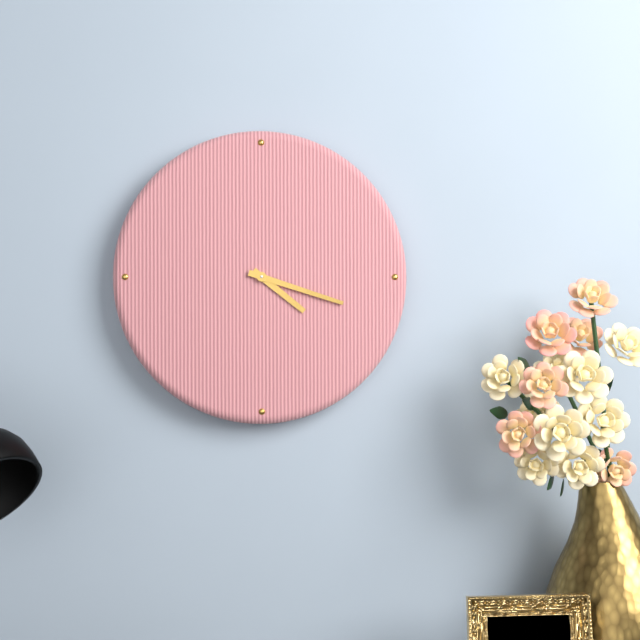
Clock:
4 h 18 min
